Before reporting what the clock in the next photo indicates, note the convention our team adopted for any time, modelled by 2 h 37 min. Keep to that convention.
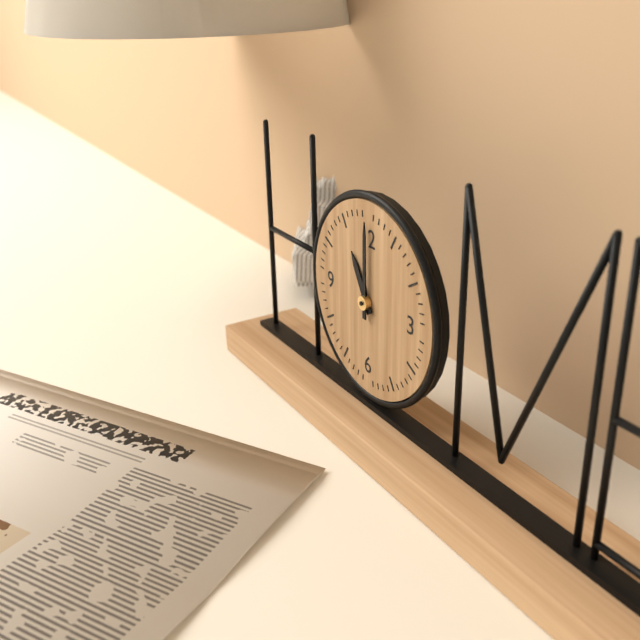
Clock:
11 h 00 min
